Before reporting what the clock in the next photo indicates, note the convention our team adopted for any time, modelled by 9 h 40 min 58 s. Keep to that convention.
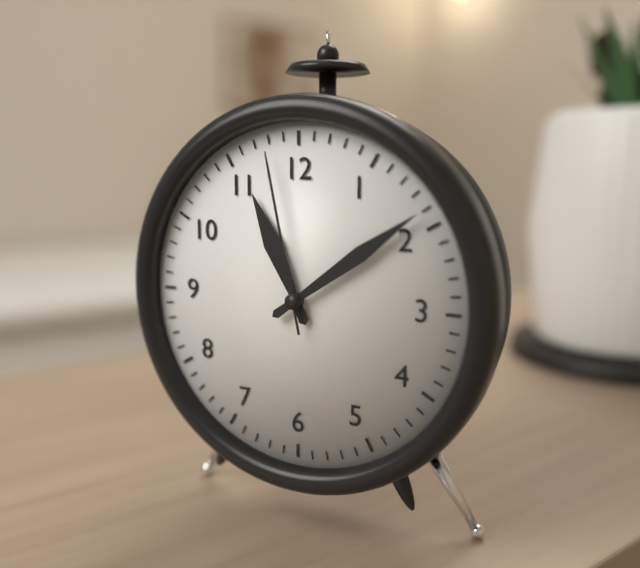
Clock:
11 h 09 min 58 s
